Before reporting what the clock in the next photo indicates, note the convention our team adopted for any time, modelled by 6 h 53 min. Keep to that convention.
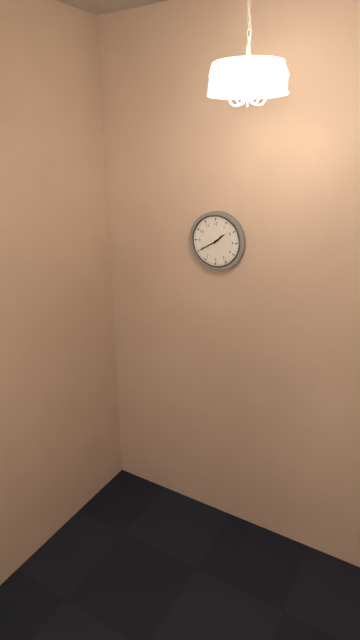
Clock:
1 h 40 min
